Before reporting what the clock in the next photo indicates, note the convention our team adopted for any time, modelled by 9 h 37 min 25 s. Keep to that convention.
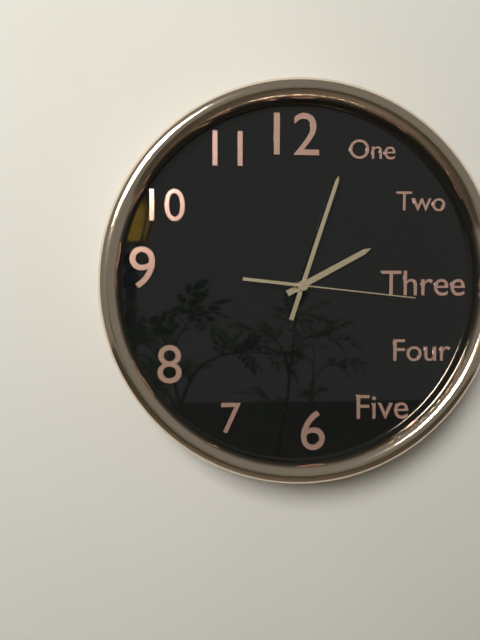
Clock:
2 h 03 min 16 s
